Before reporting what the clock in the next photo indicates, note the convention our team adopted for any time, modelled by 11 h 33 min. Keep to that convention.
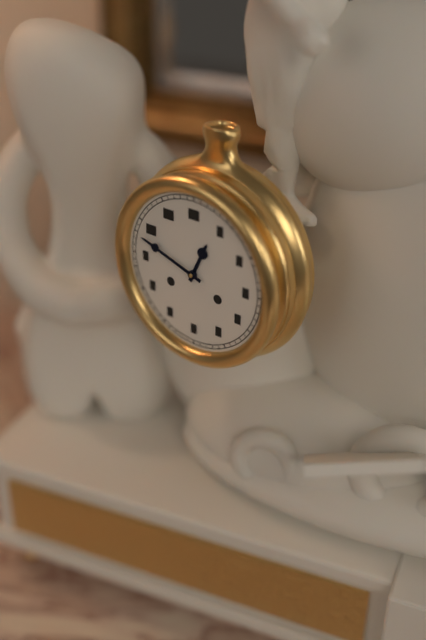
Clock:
12 h 48 min
